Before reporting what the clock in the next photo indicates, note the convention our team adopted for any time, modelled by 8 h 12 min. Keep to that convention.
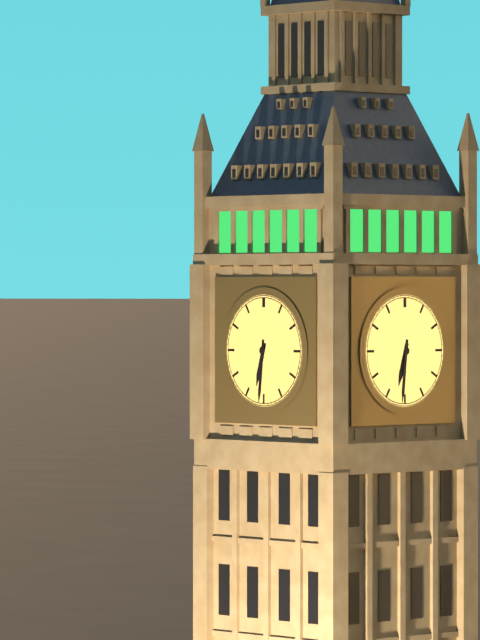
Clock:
6 h 31 min
